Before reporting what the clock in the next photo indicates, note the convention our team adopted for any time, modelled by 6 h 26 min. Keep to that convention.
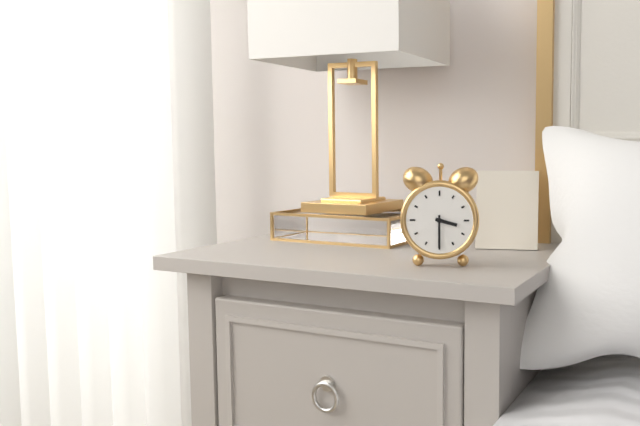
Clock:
3 h 30 min
